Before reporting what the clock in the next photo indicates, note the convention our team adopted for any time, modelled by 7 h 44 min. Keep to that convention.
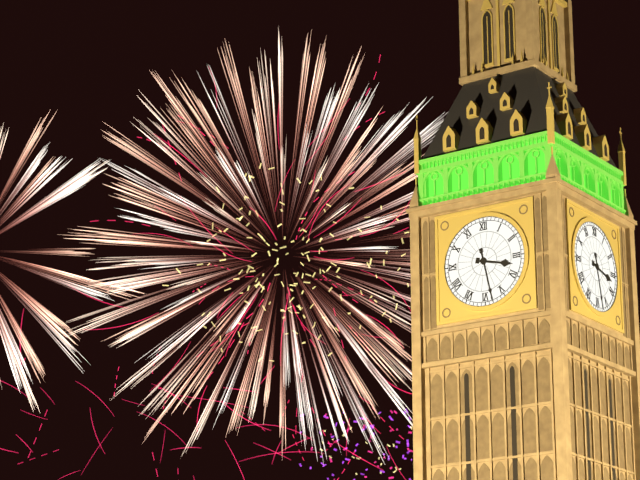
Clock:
3 h 28 min
